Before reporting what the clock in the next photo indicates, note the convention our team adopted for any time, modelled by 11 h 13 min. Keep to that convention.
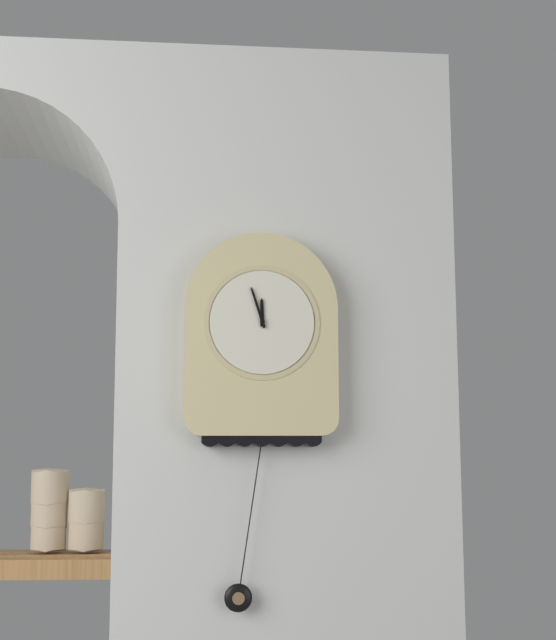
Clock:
11 h 57 min
